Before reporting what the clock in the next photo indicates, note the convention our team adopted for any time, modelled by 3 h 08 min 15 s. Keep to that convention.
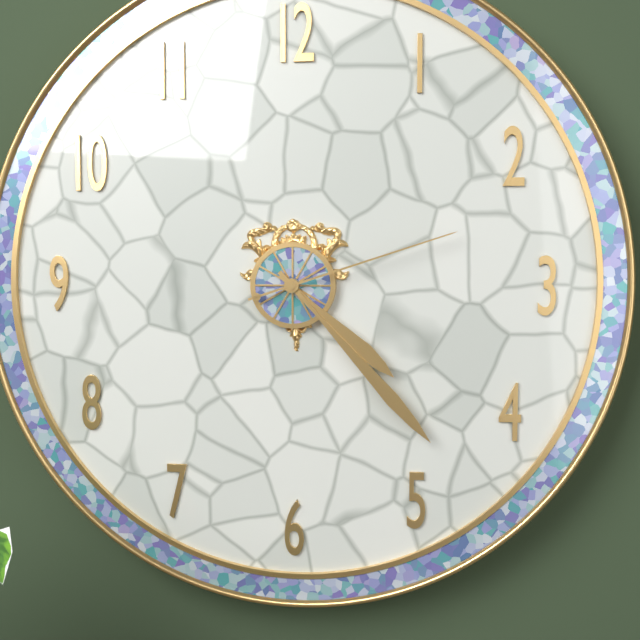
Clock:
4 h 23 min 12 s
